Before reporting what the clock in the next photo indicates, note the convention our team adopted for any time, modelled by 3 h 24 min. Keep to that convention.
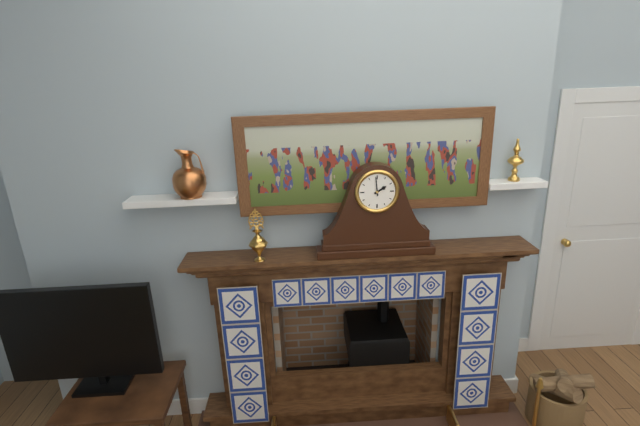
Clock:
1 h 59 min
